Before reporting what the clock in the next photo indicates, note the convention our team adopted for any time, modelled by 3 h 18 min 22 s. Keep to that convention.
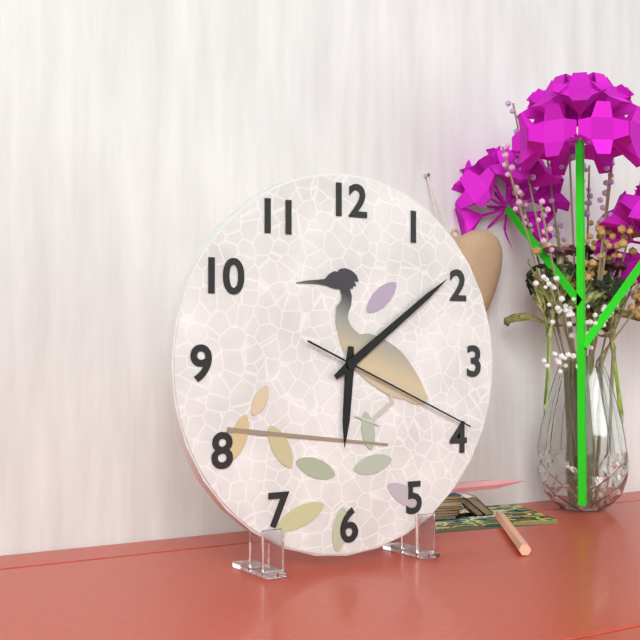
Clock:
6 h 09 min 19 s
